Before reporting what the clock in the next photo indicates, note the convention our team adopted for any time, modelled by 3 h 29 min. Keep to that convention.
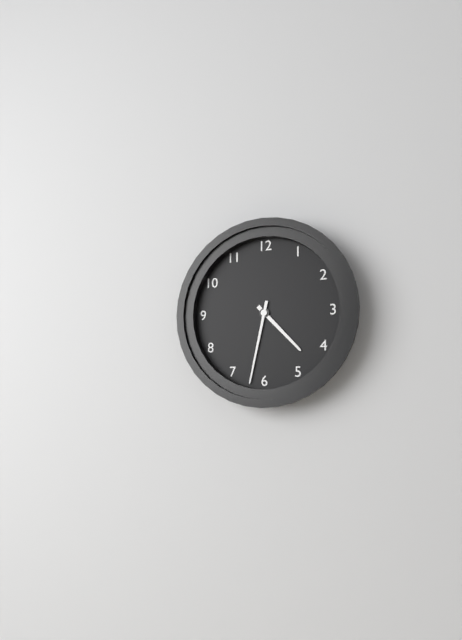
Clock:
4 h 32 min
